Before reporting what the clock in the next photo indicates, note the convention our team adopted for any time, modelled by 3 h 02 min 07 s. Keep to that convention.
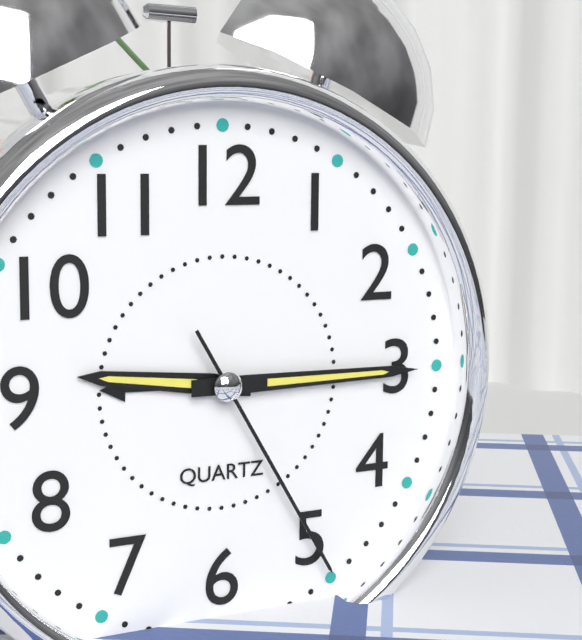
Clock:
9 h 15 min 25 s
